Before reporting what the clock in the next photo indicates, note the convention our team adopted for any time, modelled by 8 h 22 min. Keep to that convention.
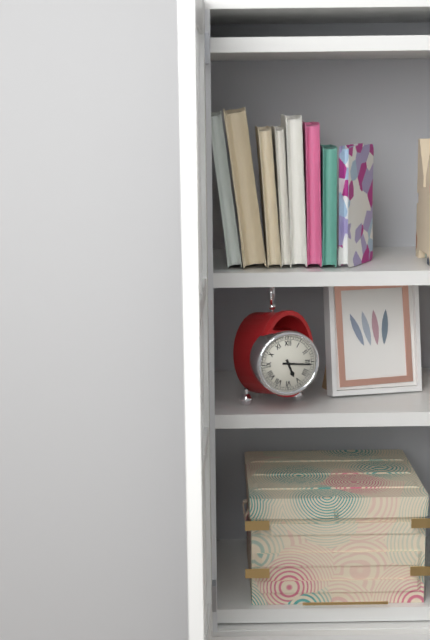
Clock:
5 h 16 min
